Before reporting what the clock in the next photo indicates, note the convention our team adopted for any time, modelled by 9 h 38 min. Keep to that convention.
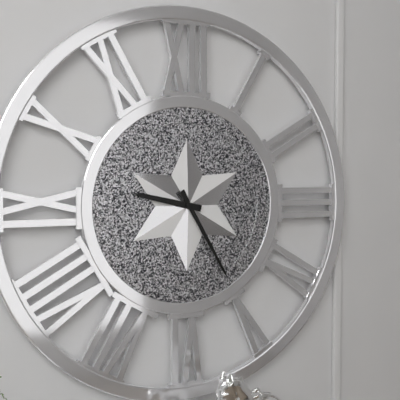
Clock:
9 h 25 min
